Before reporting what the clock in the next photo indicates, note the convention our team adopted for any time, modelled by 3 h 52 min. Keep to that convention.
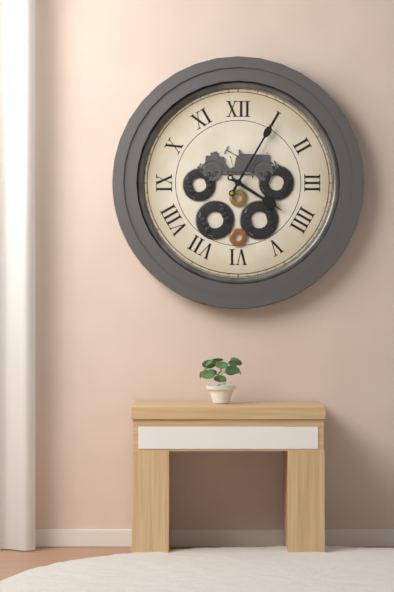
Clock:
4 h 05 min
